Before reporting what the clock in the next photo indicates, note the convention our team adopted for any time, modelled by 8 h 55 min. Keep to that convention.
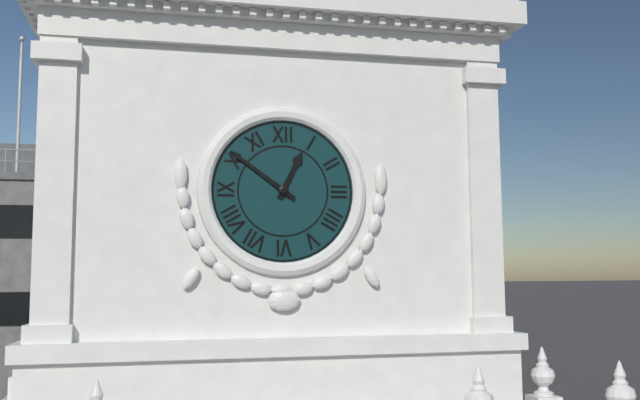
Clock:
12 h 51 min
